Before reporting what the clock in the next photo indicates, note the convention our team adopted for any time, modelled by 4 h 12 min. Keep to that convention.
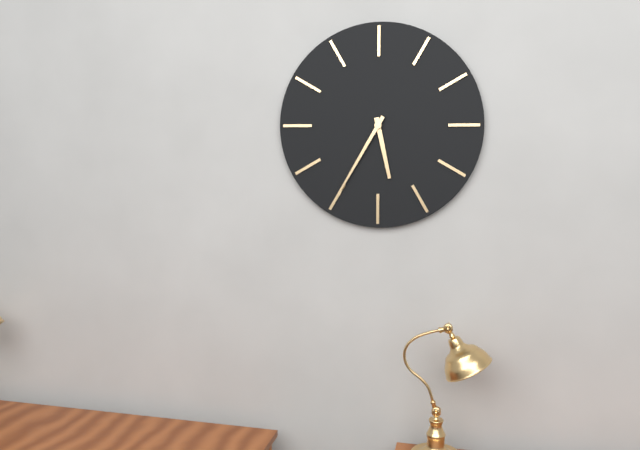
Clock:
5 h 35 min
